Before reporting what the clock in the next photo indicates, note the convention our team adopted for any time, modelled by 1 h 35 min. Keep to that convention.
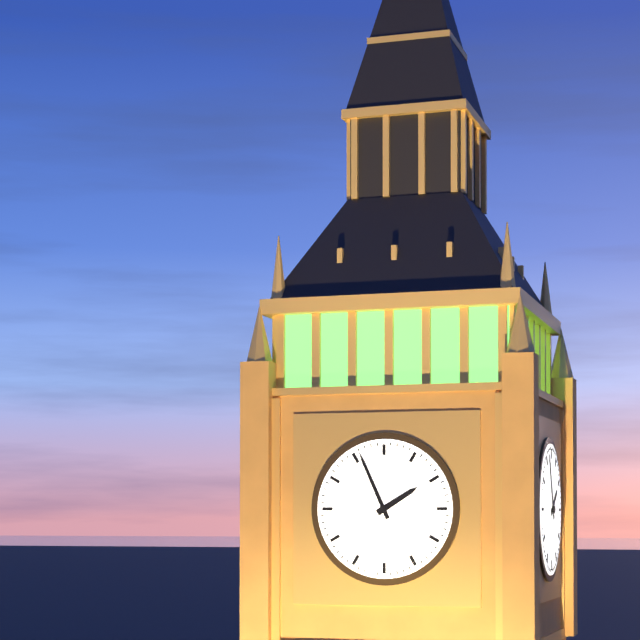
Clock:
1 h 56 min
